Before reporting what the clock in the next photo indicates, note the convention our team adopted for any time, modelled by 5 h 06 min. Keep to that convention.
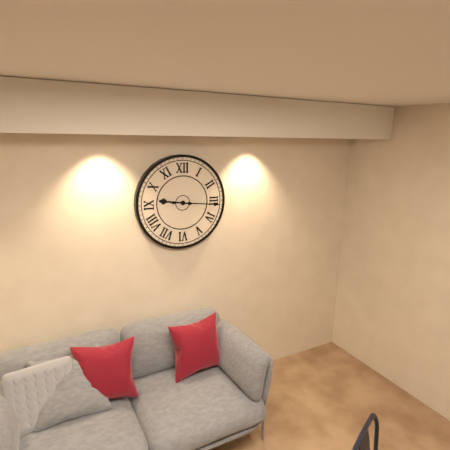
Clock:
9 h 16 min
